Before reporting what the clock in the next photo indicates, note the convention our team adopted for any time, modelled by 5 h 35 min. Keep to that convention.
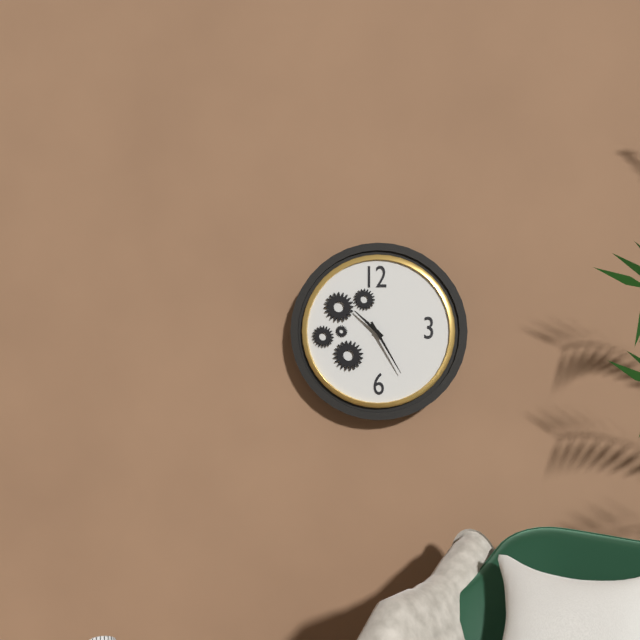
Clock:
10 h 25 min
